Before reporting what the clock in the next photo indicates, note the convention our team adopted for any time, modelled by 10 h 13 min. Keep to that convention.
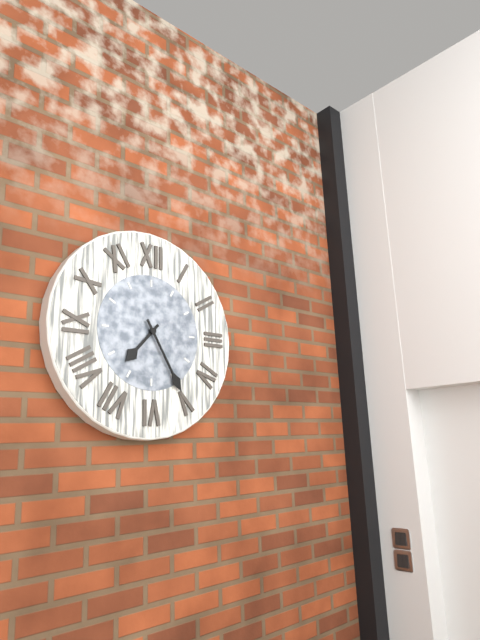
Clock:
7 h 25 min
